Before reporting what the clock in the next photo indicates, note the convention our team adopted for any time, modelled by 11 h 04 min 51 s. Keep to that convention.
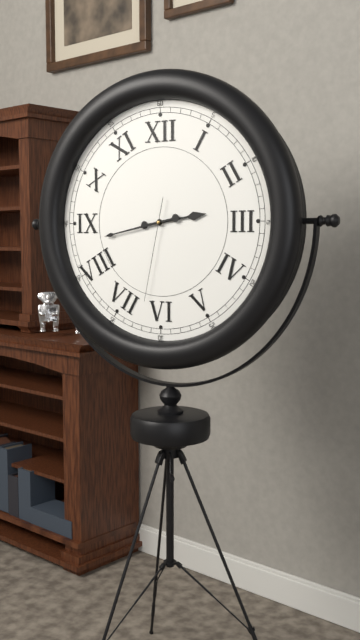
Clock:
2 h 43 min 32 s
